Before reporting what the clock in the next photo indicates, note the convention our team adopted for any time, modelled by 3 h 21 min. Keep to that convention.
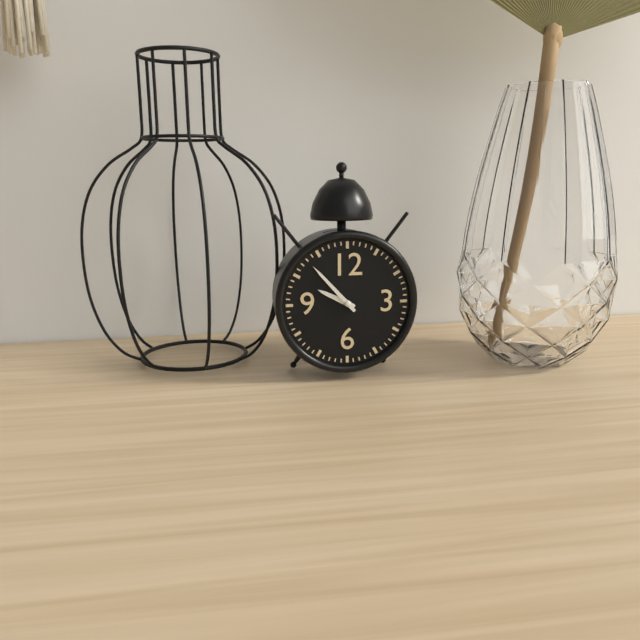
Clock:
9 h 53 min
